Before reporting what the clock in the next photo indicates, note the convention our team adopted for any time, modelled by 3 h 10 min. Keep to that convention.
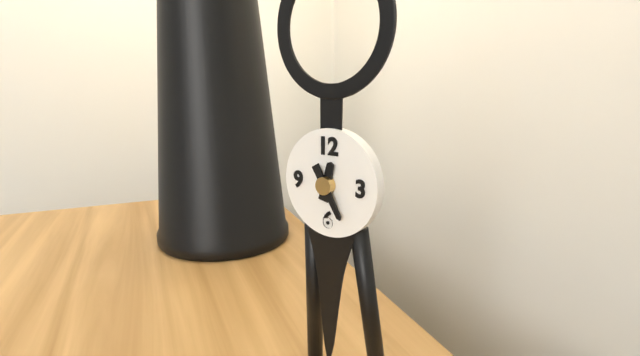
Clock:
12 h 25 min
